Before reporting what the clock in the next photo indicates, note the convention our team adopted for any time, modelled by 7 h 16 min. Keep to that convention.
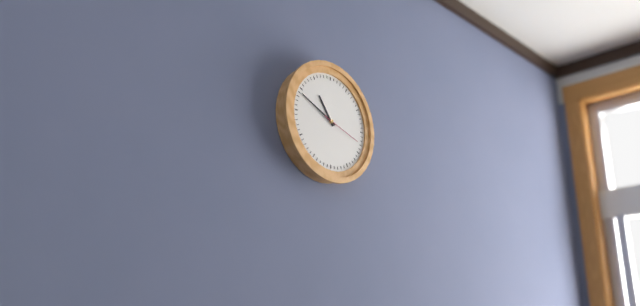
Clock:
10 h 49 min
